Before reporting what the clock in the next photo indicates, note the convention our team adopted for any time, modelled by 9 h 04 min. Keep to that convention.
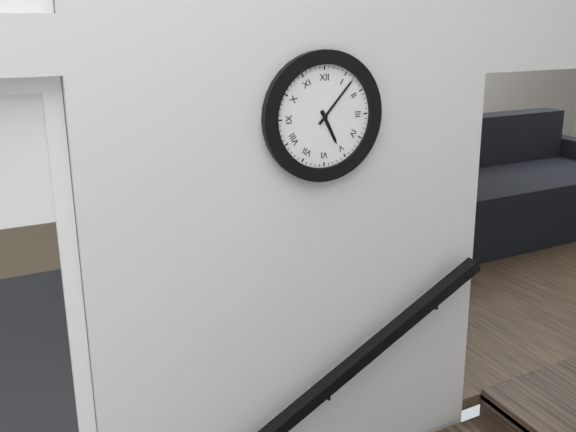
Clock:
5 h 07 min
